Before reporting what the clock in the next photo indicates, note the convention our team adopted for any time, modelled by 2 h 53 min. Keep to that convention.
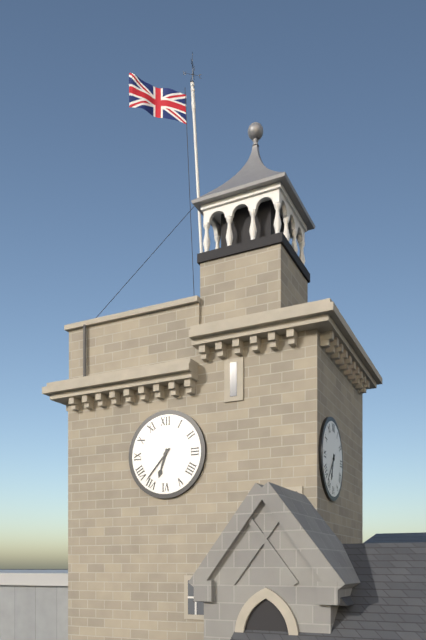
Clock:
6 h 37 min
